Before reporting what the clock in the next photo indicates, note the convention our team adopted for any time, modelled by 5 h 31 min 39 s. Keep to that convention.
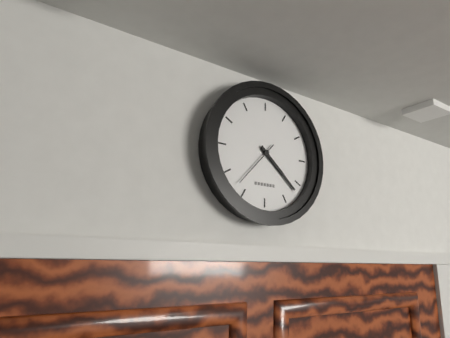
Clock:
4 h 22 min 37 s
